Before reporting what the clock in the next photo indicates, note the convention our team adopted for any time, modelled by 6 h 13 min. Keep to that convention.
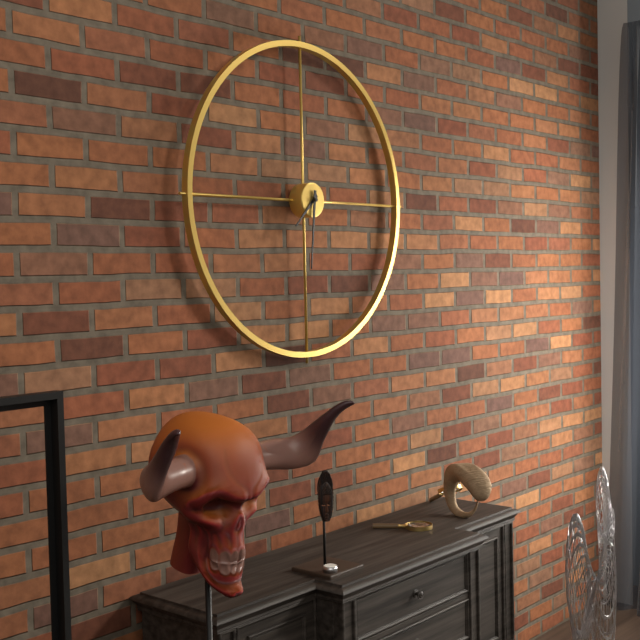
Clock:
7 h 31 min
